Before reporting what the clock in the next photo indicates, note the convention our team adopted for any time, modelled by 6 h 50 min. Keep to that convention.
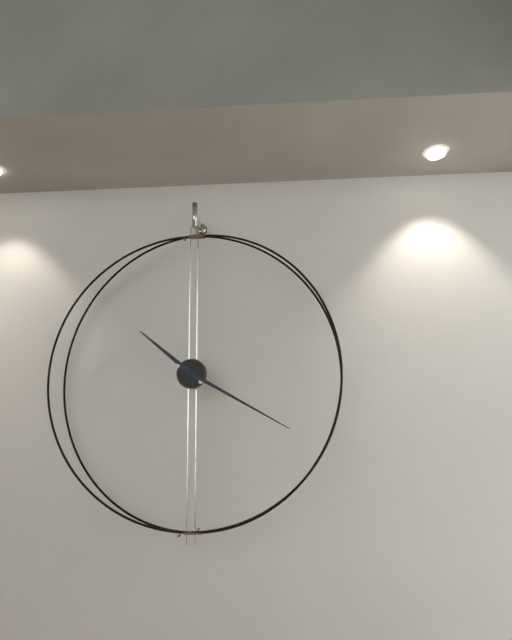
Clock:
10 h 20 min
